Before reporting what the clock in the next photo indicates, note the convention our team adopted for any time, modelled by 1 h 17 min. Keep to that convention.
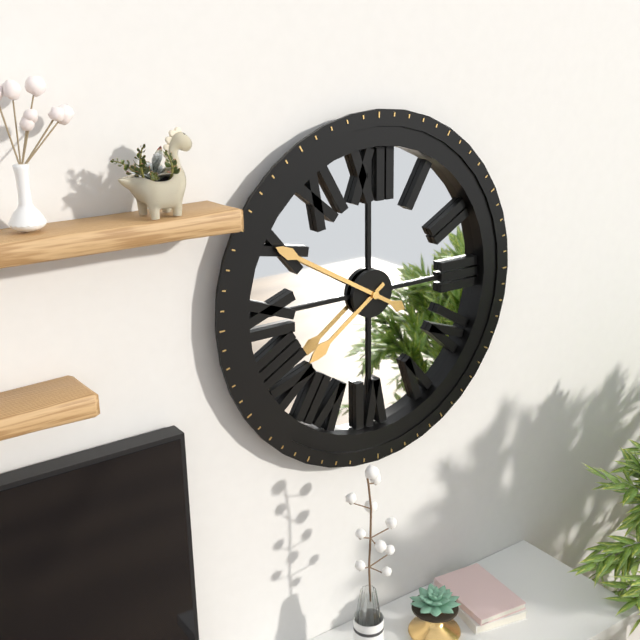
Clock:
7 h 50 min
